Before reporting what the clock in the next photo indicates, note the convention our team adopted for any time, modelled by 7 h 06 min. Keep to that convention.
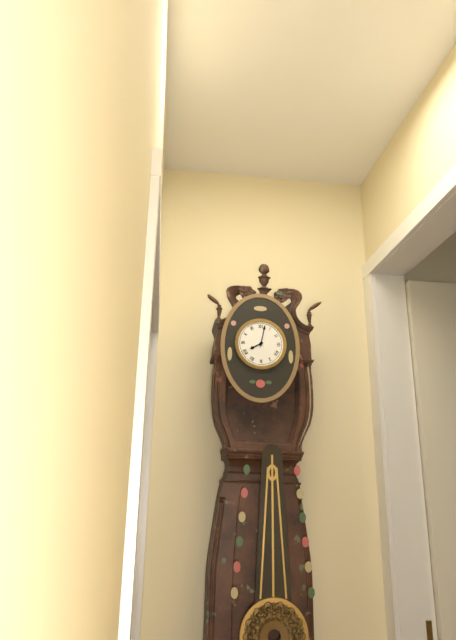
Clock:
8 h 02 min
